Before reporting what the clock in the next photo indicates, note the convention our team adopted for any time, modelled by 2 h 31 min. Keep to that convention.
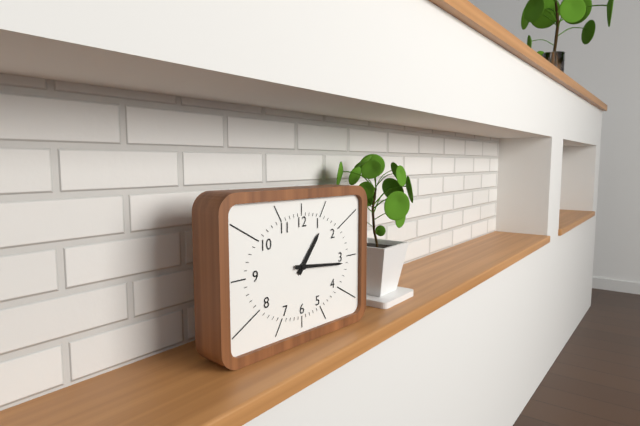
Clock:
1 h 16 min
